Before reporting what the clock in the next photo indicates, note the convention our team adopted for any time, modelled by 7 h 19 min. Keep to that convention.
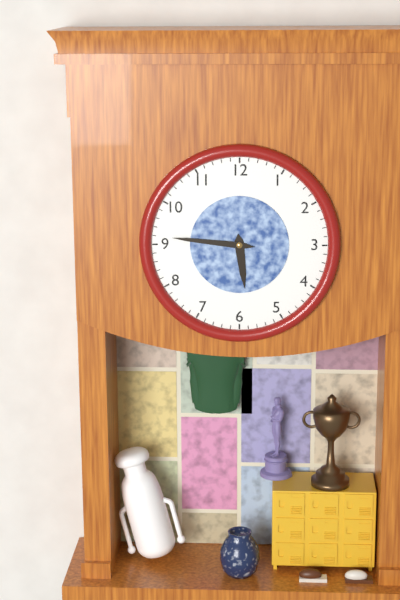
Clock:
5 h 46 min
